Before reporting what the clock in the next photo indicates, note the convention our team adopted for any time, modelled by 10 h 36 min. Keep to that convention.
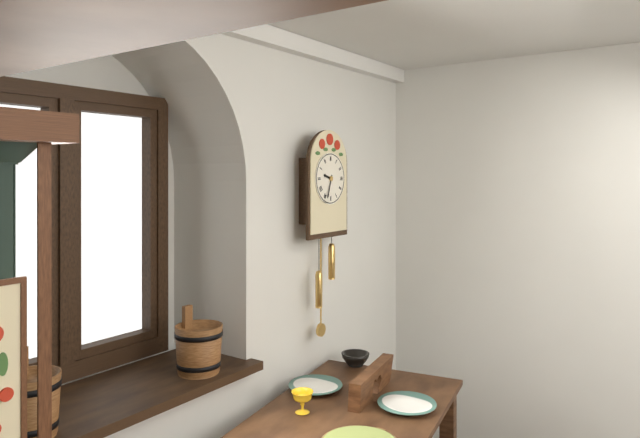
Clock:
9 h 33 min
